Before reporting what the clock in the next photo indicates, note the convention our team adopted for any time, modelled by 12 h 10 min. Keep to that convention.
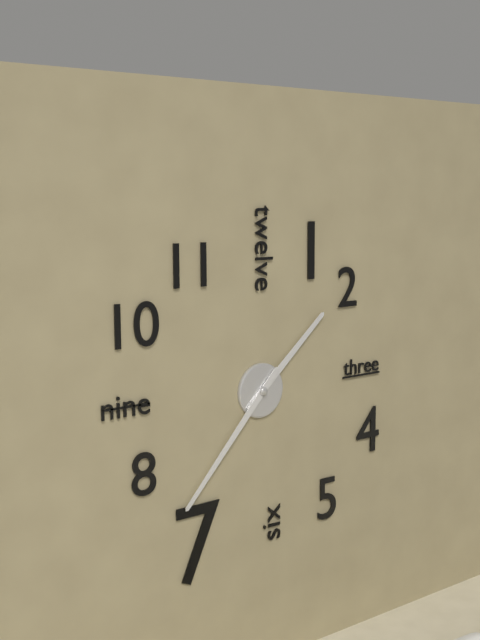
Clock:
1 h 37 min
